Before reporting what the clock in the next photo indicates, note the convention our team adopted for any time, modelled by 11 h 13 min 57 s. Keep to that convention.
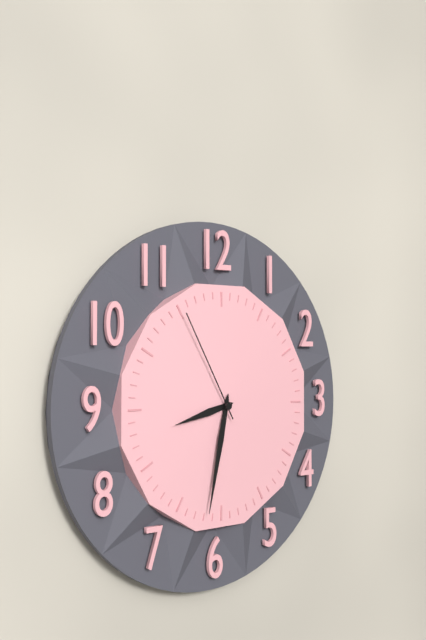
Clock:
8 h 32 min 55 s
